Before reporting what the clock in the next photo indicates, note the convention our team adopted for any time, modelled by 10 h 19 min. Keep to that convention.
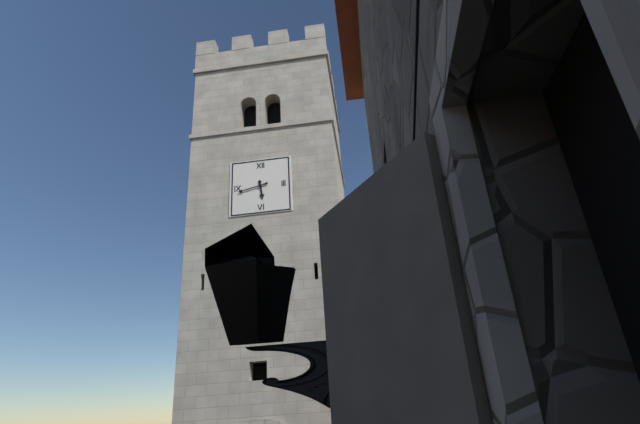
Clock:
5 h 43 min
